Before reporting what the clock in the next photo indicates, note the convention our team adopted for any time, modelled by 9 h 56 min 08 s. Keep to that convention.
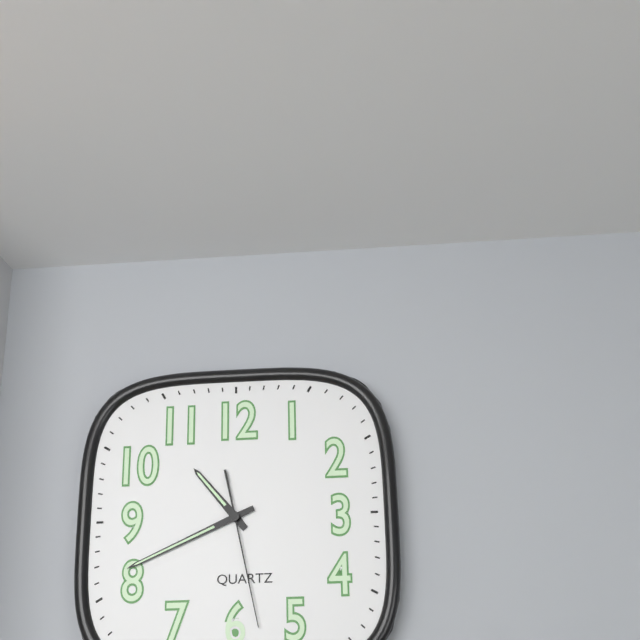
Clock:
10 h 41 min 28 s
